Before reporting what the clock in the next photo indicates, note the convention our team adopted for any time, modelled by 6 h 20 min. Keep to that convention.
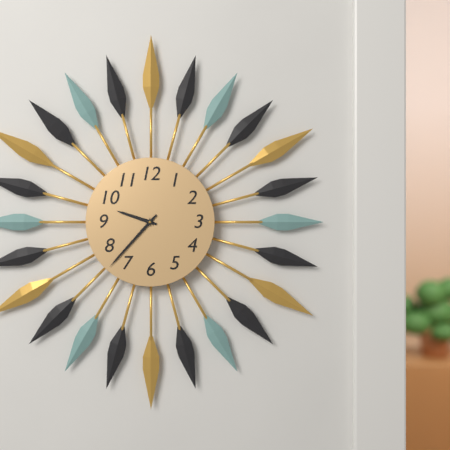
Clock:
9 h 37 min
